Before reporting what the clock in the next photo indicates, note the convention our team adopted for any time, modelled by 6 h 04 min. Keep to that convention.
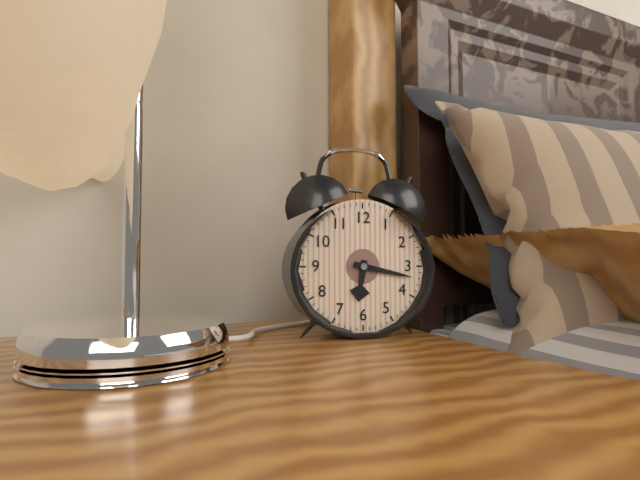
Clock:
6 h 17 min
